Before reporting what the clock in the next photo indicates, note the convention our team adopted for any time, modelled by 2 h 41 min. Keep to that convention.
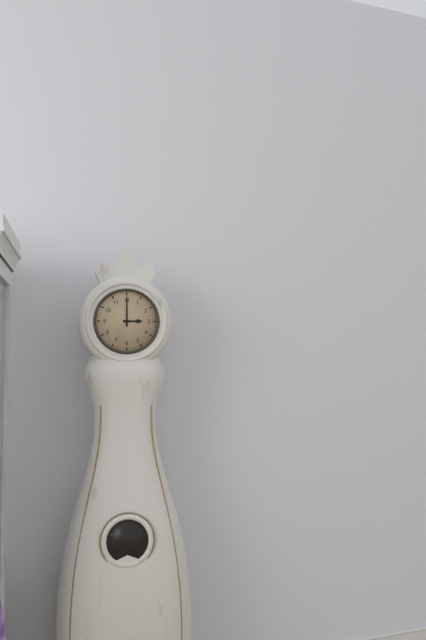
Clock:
3 h 00 min
